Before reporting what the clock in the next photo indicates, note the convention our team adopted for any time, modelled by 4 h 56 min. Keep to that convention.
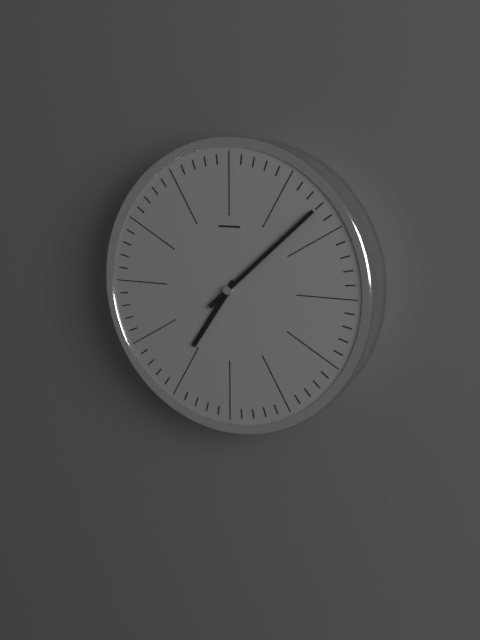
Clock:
7 h 08 min
